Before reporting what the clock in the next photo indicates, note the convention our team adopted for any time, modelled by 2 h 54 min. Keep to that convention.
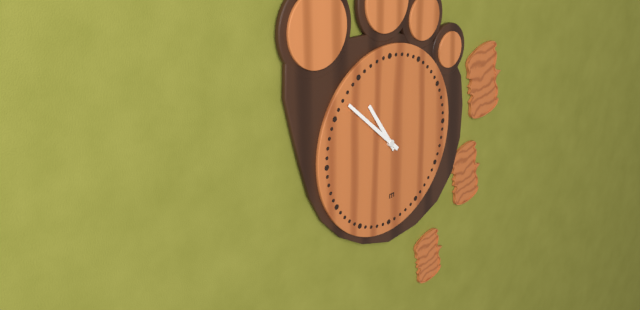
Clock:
10 h 52 min
